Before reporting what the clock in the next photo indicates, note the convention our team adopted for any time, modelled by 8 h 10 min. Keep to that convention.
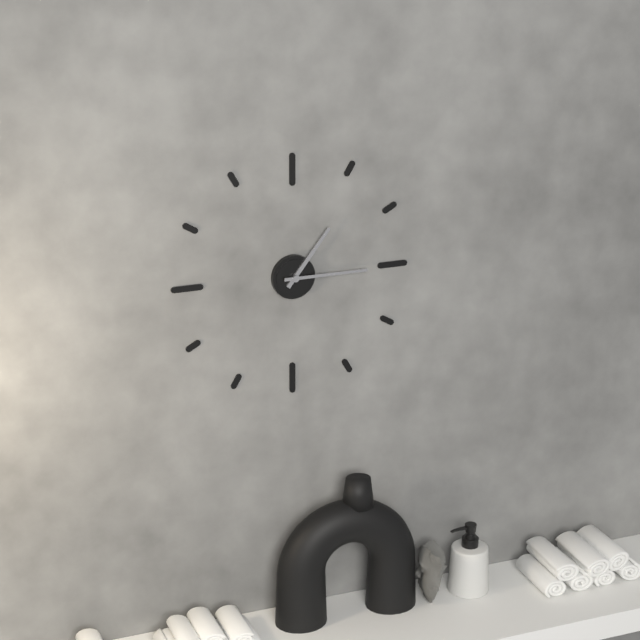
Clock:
1 h 15 min
